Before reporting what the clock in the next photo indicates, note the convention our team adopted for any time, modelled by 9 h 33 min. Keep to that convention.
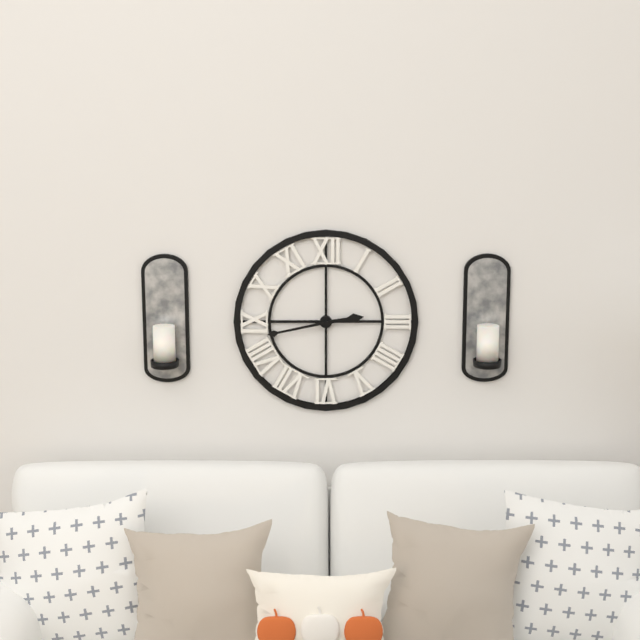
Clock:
2 h 43 min
